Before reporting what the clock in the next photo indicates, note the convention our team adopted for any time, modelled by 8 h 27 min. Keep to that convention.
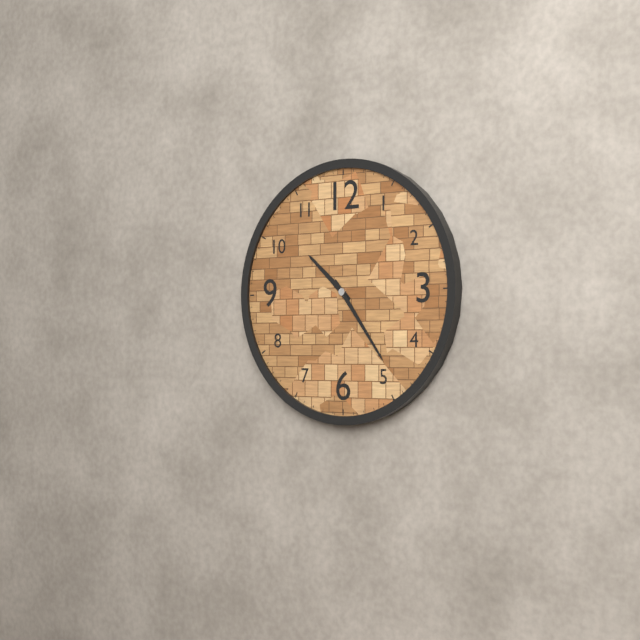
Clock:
10 h 24 min
